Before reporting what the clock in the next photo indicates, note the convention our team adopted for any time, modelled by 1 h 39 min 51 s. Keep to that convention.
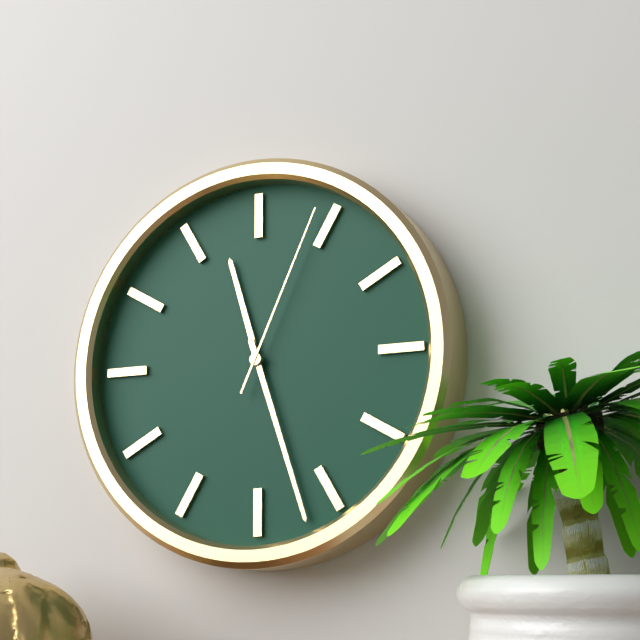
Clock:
11 h 27 min 04 s
